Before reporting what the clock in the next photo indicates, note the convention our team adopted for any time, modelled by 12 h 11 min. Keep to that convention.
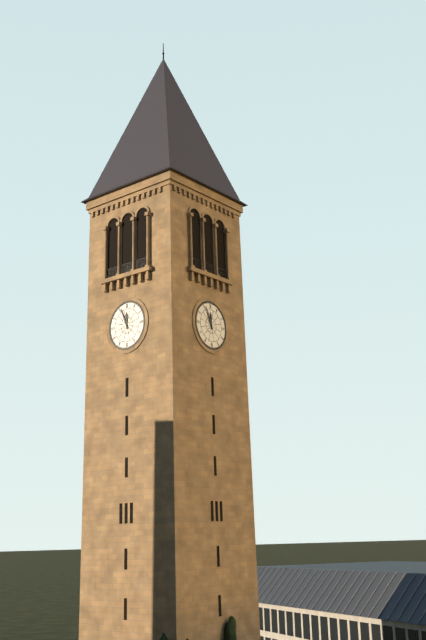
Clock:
11 h 56 min
